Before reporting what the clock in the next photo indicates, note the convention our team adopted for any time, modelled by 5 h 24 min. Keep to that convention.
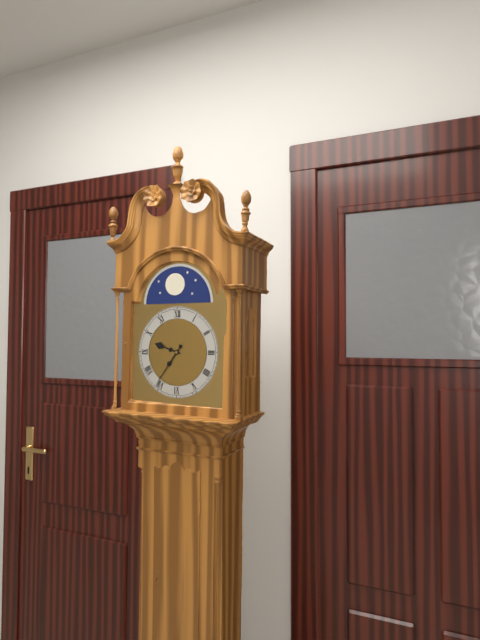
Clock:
9 h 36 min
